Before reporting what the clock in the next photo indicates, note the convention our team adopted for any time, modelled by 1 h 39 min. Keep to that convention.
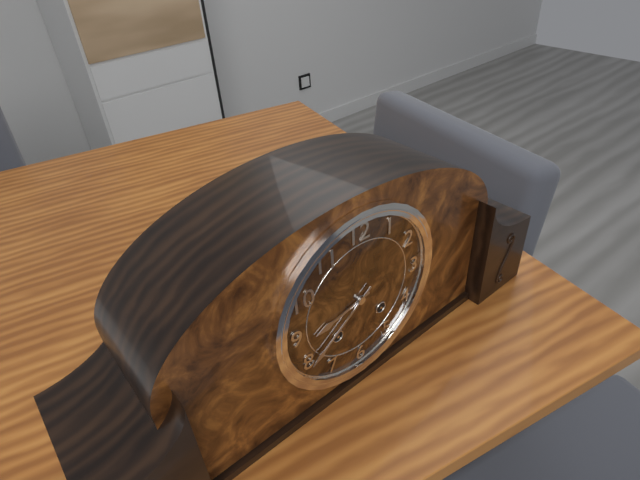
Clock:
8 h 39 min
